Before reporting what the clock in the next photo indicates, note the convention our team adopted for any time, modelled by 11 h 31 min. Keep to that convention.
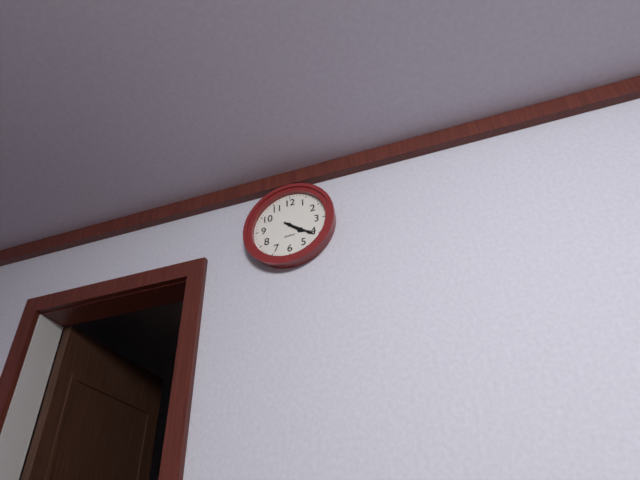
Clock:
4 h 21 min
